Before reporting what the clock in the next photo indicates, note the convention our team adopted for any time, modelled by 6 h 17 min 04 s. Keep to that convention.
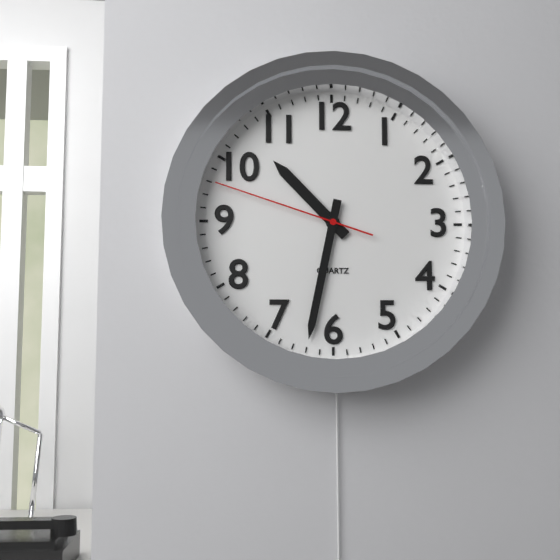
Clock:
10 h 32 min 48 s
